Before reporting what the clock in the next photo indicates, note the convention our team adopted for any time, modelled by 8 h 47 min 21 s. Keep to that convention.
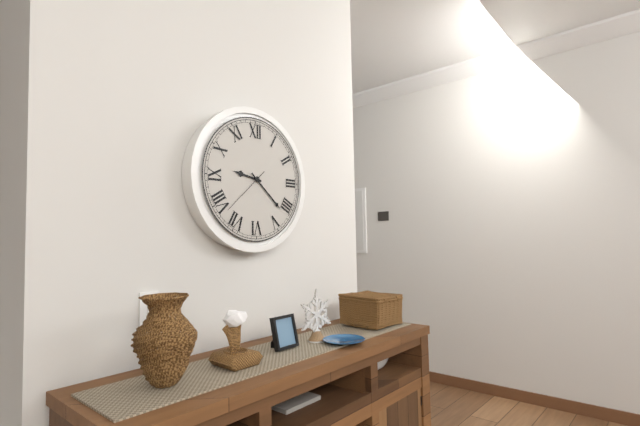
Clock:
9 h 22 min 38 s
